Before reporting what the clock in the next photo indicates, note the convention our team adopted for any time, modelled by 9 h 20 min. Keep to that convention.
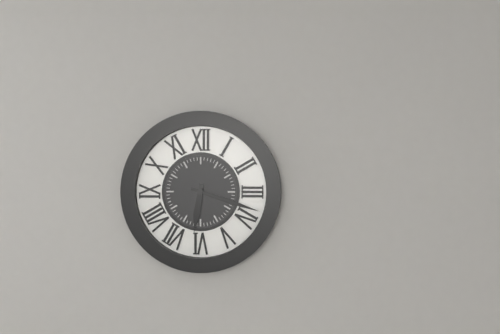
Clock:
6 h 18 min
